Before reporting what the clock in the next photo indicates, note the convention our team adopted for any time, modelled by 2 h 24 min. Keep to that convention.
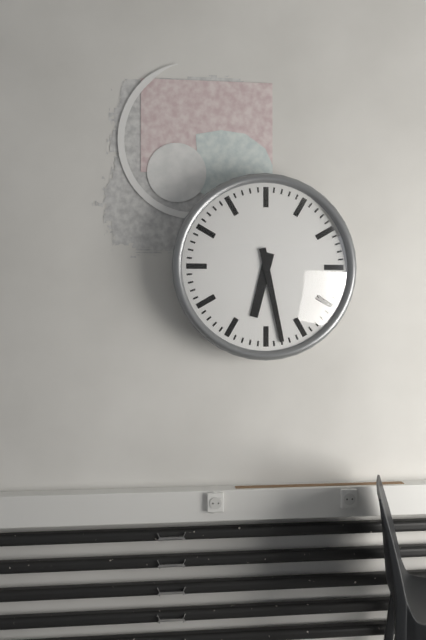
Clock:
6 h 28 min
